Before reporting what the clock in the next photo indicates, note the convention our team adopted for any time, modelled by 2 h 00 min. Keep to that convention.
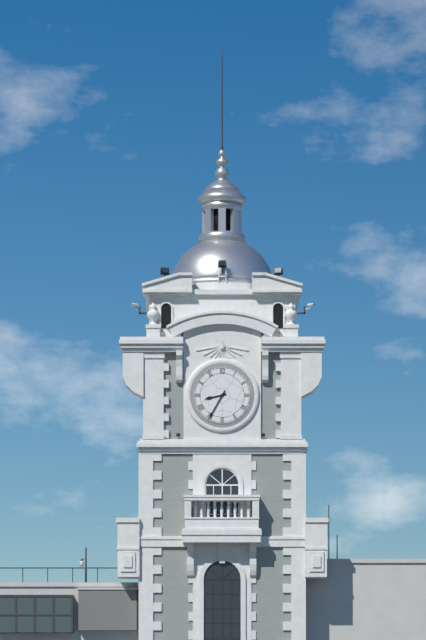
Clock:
8 h 35 min
